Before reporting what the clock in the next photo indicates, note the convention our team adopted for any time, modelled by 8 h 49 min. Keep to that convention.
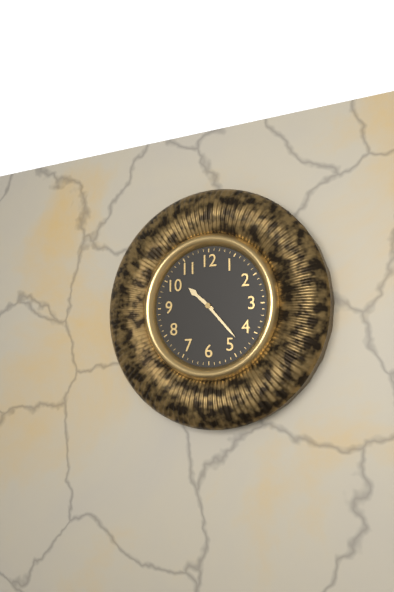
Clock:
10 h 23 min
